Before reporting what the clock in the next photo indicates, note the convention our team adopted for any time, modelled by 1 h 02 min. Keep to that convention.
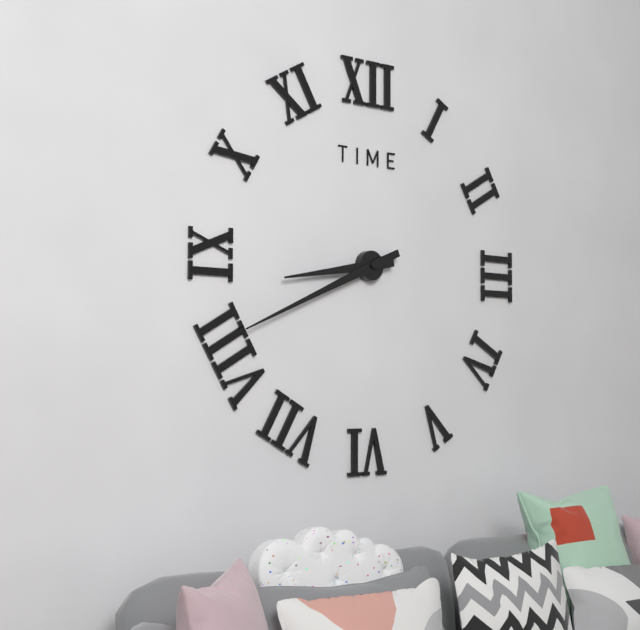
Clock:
8 h 41 min
